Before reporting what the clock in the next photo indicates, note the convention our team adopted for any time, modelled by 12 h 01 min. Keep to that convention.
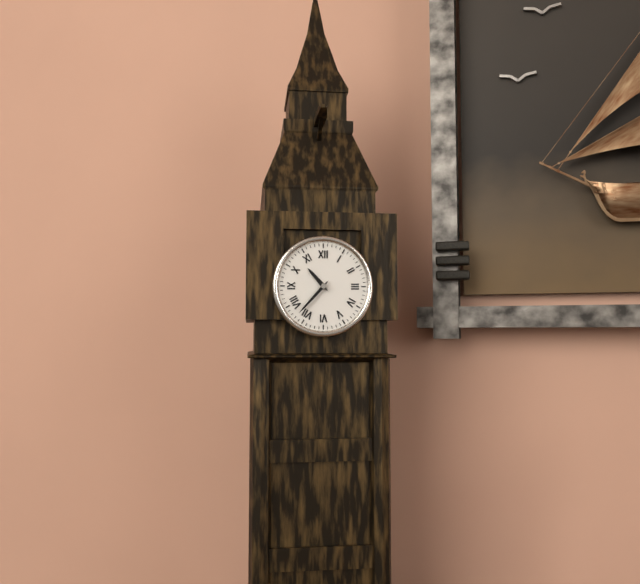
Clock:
10 h 37 min
